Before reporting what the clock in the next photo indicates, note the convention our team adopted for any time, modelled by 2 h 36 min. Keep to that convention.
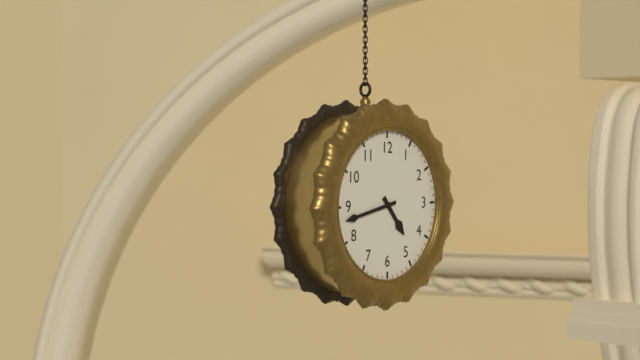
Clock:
4 h 43 min
